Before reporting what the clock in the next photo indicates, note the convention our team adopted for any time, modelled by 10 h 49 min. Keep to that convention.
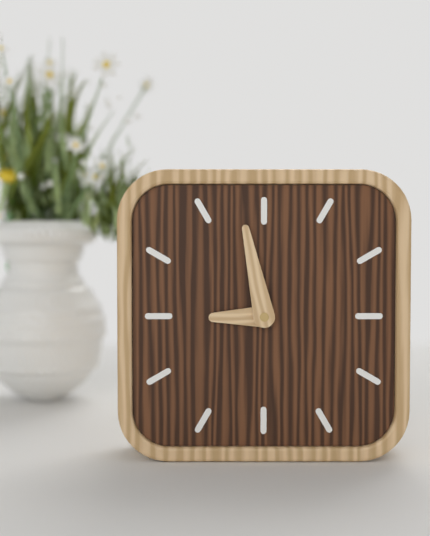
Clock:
8 h 58 min
